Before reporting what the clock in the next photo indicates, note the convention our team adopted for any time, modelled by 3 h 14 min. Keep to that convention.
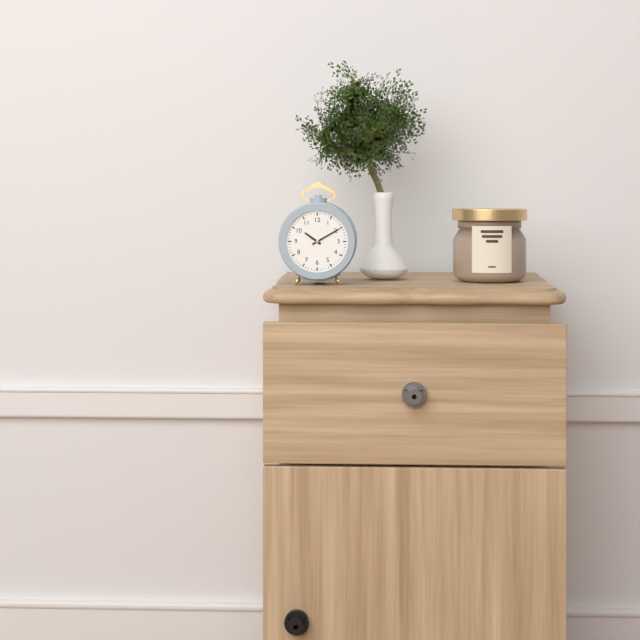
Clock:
10 h 10 min
